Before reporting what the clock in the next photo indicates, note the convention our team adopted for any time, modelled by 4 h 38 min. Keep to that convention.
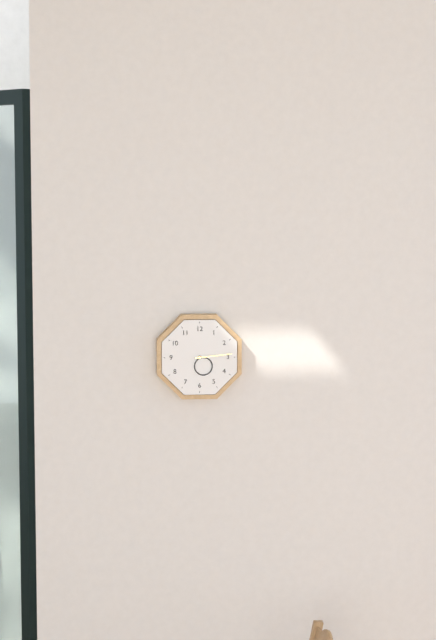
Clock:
5 h 14 min
